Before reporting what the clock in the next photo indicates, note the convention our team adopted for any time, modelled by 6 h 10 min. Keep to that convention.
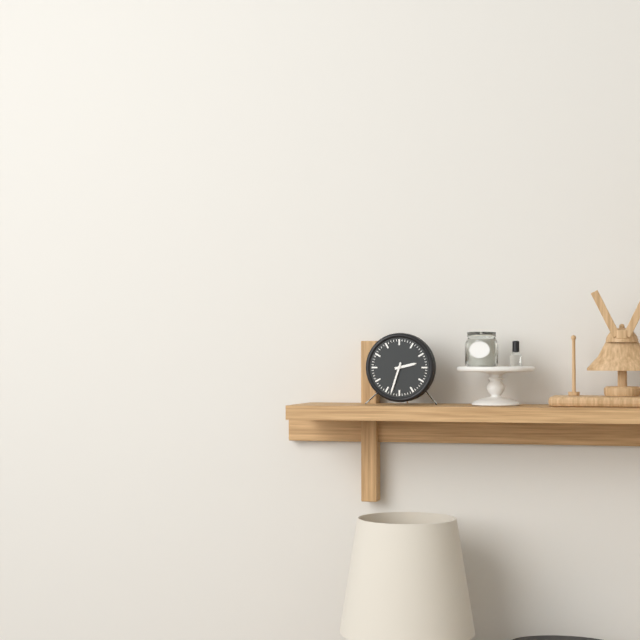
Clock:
2 h 33 min
